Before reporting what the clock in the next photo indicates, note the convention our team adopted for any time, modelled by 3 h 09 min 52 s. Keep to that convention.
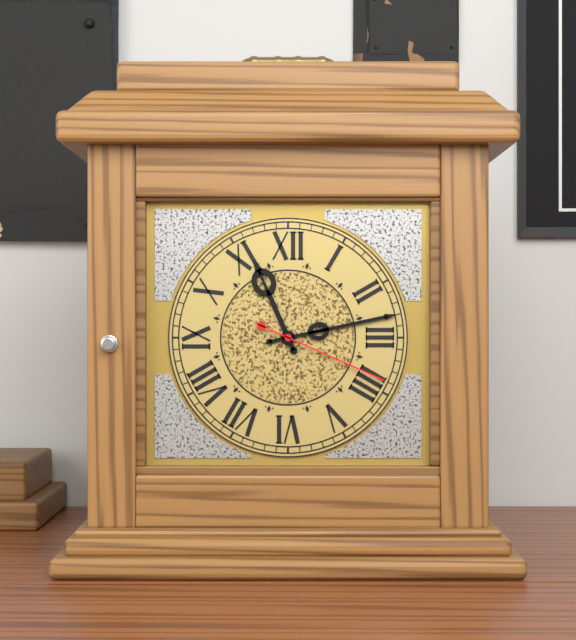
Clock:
11 h 13 min 19 s
